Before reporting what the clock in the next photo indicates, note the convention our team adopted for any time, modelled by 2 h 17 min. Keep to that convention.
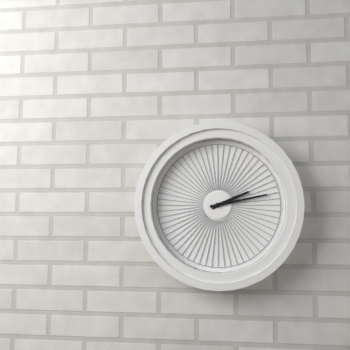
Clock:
2 h 13 min
